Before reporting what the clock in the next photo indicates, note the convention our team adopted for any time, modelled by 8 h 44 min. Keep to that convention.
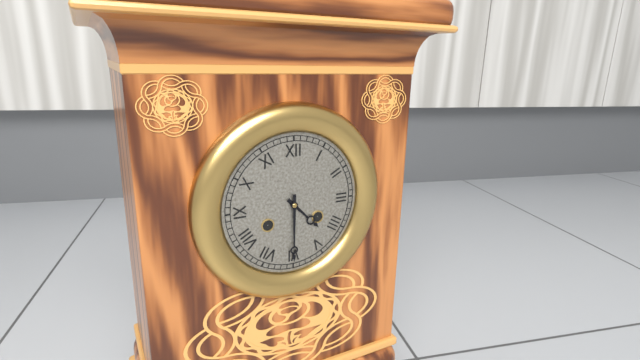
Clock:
4 h 30 min
